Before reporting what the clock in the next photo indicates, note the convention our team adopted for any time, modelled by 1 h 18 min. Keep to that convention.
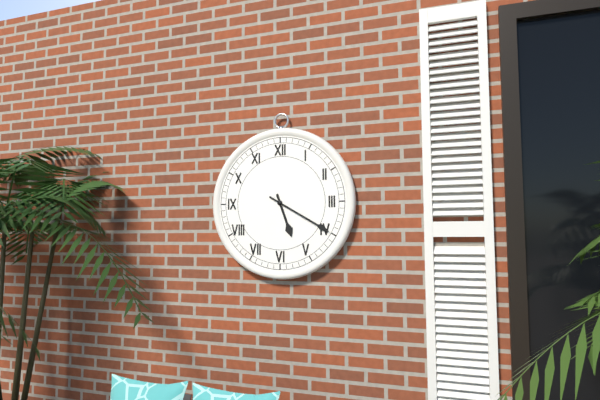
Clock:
5 h 20 min
